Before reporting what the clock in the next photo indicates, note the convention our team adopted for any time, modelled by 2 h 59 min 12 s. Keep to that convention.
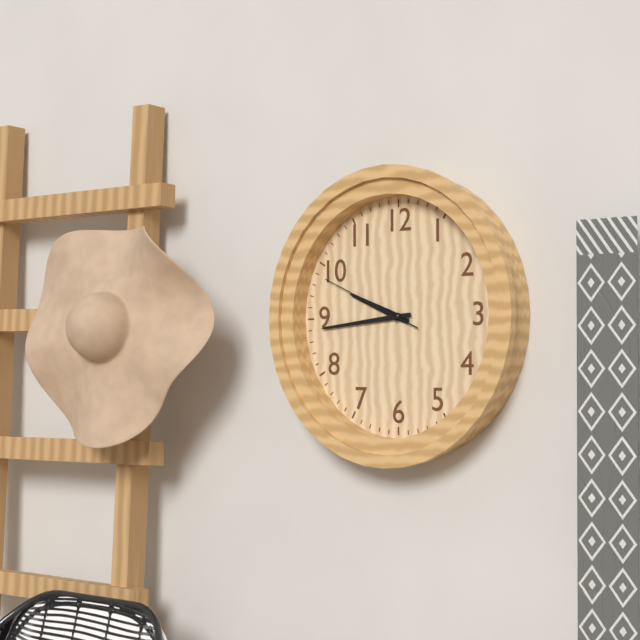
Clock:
9 h 44 min 49 s
